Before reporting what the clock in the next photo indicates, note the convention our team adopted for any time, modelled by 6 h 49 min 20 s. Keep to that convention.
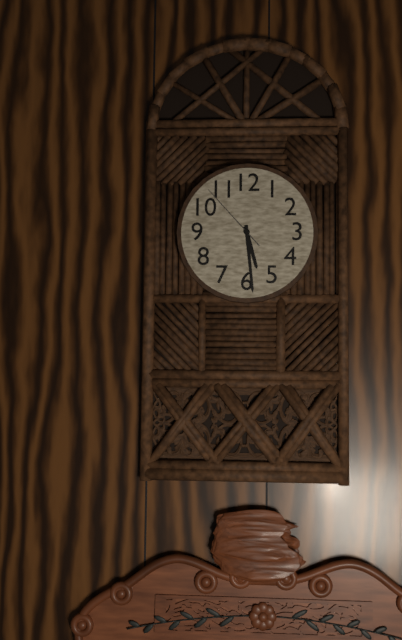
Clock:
5 h 29 min 53 s
